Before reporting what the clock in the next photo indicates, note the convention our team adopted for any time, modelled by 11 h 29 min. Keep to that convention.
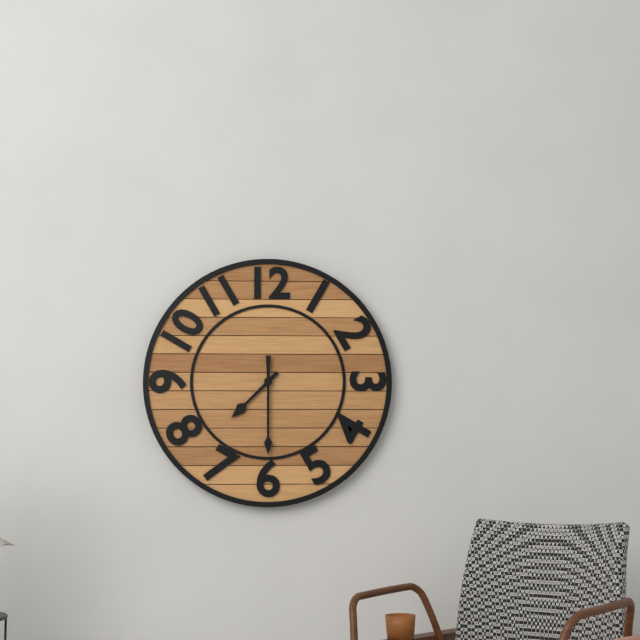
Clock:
7 h 30 min
